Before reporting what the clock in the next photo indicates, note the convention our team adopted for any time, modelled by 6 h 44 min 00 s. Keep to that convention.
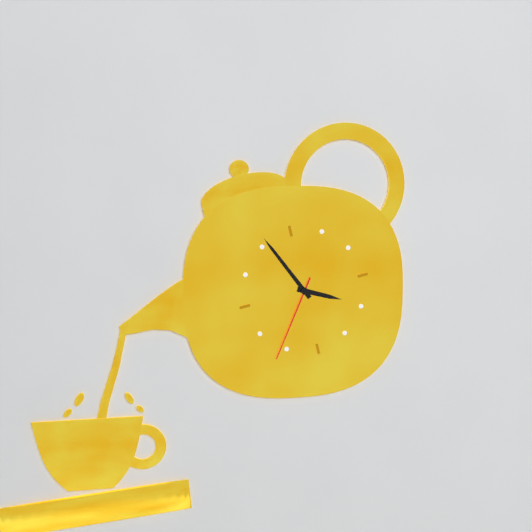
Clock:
3 h 56 min 36 s
